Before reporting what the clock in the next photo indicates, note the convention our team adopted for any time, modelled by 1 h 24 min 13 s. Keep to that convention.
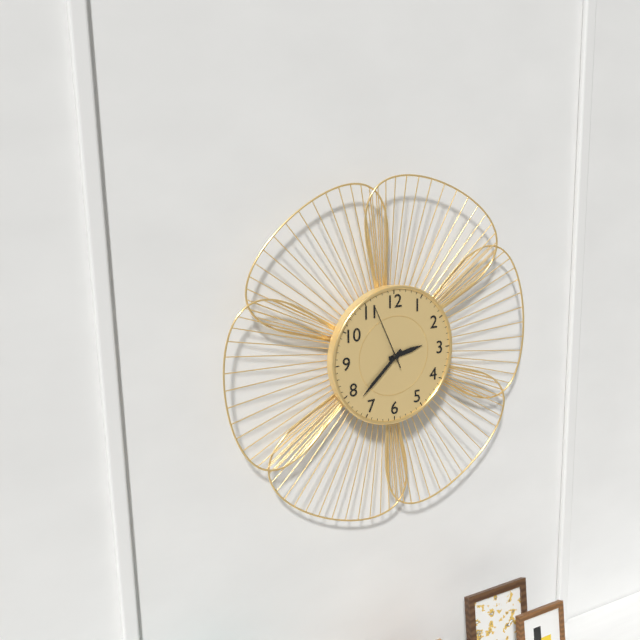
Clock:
2 h 38 min 56 s
